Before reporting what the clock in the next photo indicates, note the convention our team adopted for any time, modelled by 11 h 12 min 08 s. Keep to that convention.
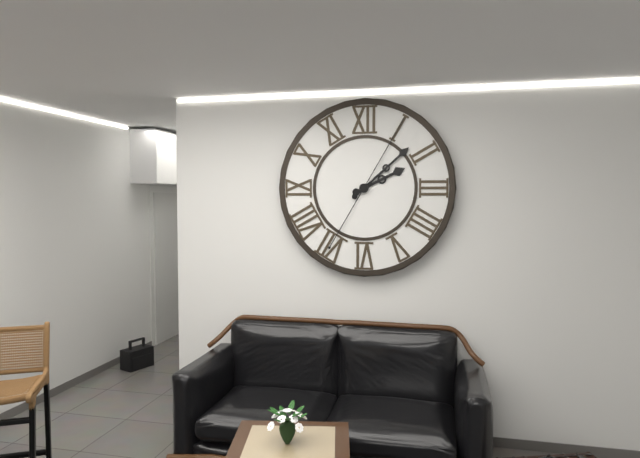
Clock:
2 h 08 min 05 s
